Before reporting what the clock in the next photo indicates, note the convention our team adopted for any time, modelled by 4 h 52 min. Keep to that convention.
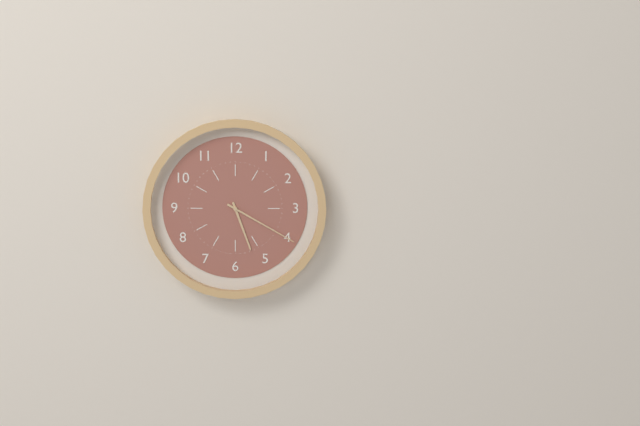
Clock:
5 h 20 min
